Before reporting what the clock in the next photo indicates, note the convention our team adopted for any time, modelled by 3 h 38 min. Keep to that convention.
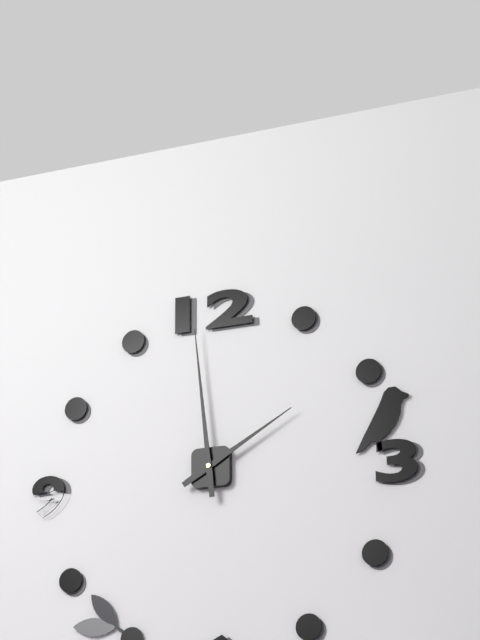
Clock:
1 h 59 min
